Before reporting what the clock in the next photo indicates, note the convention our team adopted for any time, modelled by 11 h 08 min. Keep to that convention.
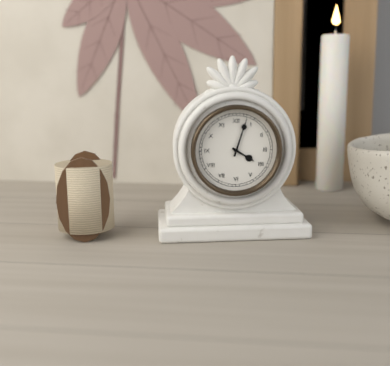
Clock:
4 h 03 min
